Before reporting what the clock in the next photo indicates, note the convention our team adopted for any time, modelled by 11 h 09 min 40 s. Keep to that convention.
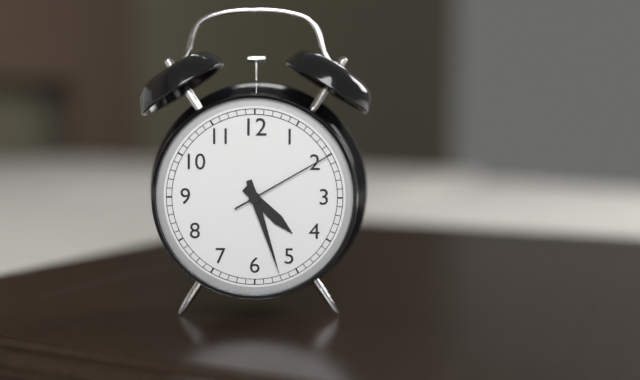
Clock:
4 h 27 min 10 s
